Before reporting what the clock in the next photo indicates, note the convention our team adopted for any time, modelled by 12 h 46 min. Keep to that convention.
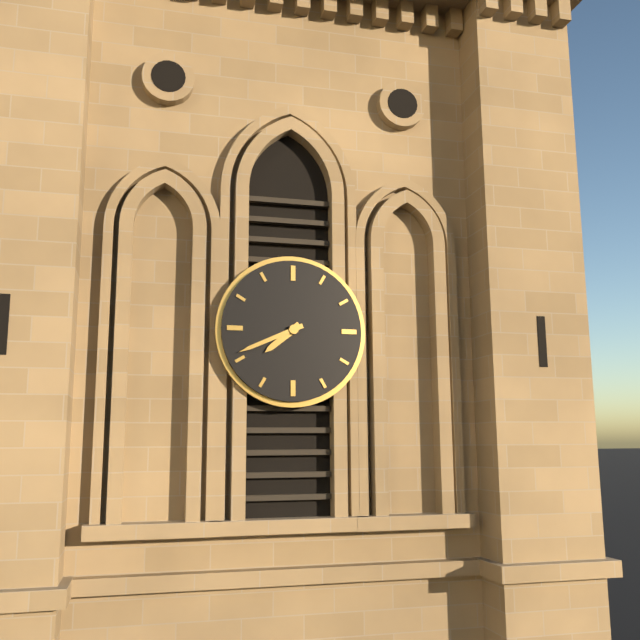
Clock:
7 h 41 min
